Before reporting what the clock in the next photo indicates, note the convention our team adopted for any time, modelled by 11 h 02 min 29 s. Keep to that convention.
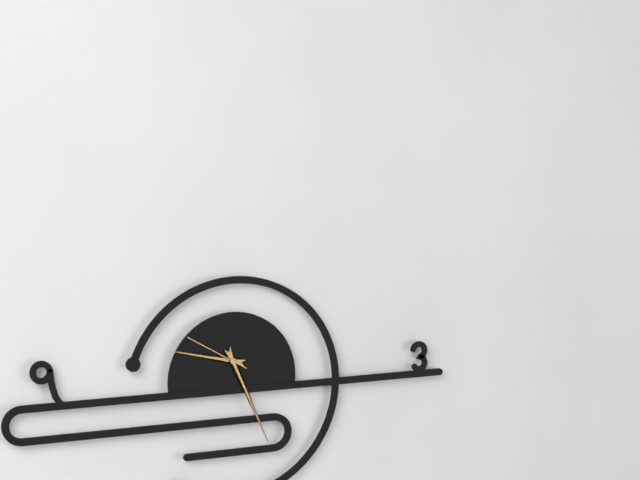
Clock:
9 h 26 min 50 s
